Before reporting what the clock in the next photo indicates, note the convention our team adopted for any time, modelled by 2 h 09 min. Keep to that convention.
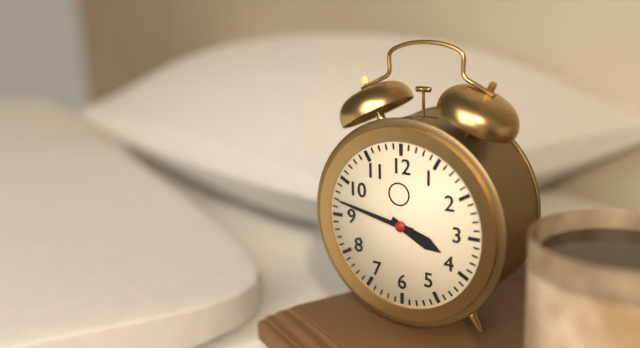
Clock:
3 h 47 min
